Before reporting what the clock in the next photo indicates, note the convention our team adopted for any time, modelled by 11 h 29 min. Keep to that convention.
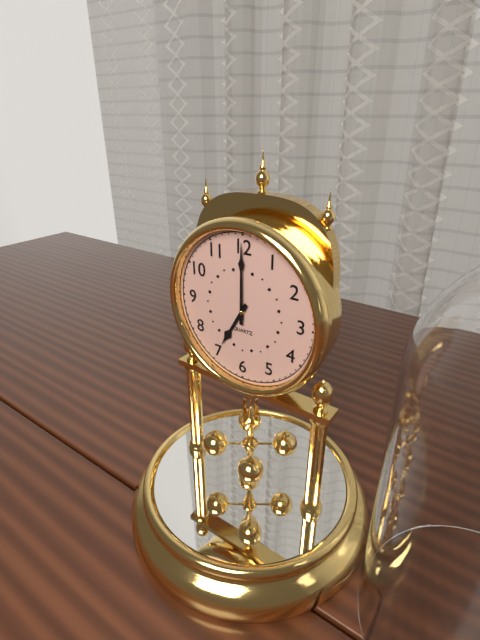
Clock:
7 h 00 min
